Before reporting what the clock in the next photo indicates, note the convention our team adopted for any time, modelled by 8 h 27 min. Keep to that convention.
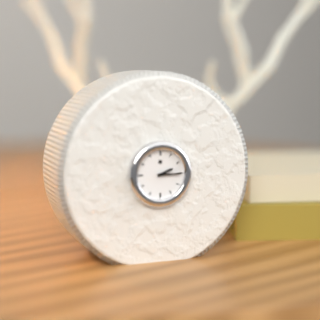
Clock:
2 h 15 min
